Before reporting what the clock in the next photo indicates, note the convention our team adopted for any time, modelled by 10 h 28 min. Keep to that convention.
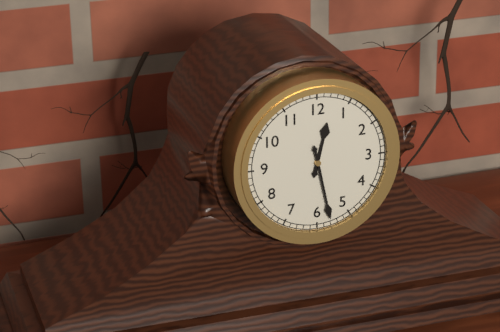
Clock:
12 h 28 min
